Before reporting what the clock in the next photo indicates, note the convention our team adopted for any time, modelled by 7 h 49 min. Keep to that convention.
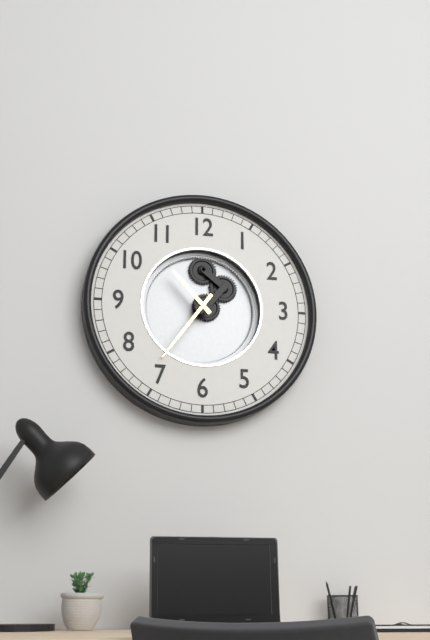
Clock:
10 h 36 min
